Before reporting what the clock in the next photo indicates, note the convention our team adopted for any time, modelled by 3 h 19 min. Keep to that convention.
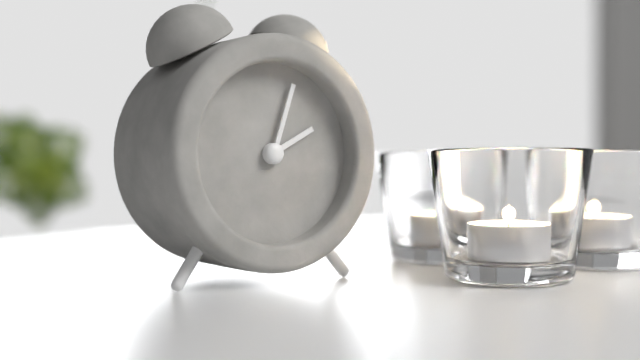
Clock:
2 h 03 min
